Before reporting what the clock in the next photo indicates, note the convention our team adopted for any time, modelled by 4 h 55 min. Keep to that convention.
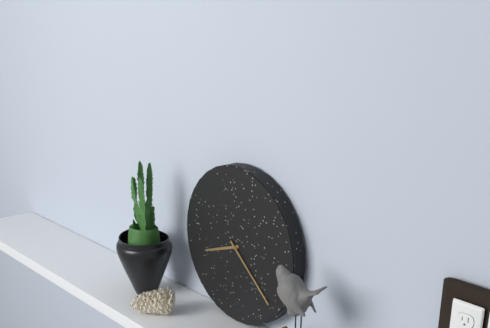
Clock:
8 h 22 min
